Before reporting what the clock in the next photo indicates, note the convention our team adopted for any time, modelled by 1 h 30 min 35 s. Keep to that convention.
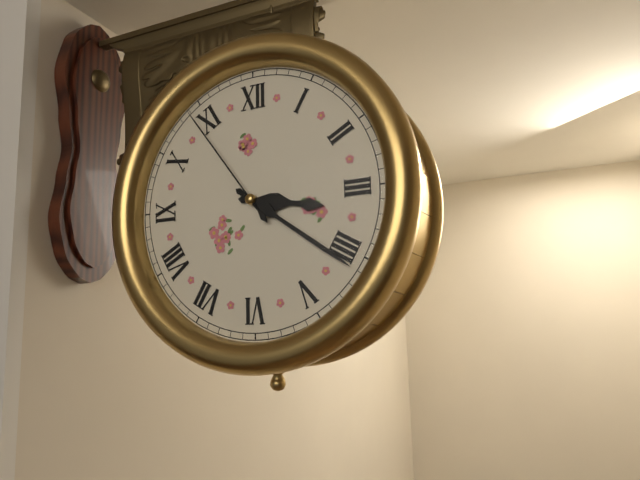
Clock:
3 h 21 min 54 s
